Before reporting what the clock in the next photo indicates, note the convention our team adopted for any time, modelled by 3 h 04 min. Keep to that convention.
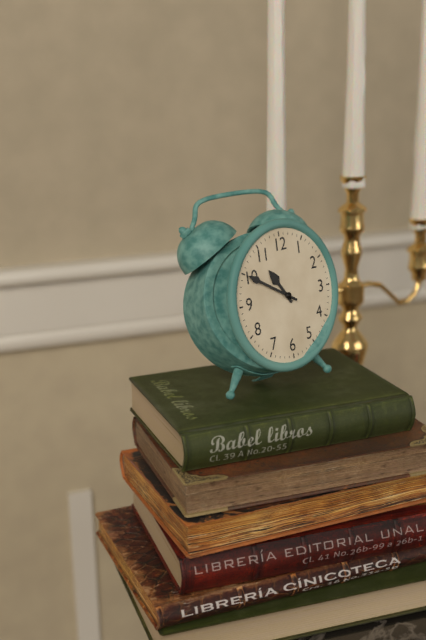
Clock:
10 h 50 min
